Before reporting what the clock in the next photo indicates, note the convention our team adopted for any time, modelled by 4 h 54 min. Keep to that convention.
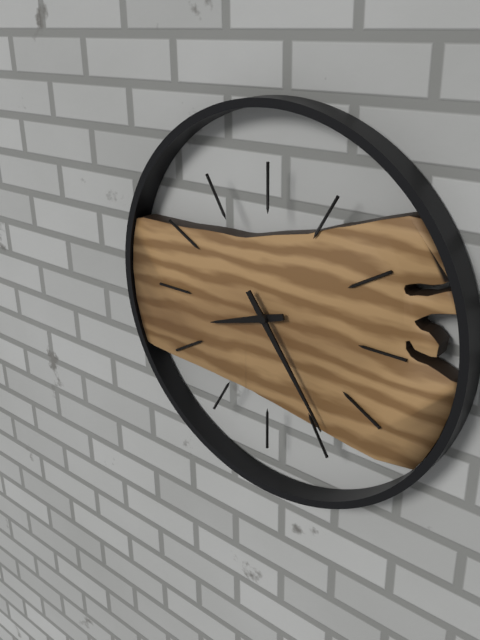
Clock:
8 h 24 min
